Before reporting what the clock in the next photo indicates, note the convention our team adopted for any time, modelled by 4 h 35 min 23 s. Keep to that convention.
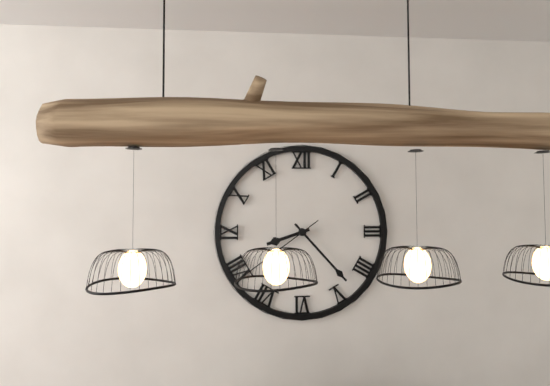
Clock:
8 h 23 min 39 s
